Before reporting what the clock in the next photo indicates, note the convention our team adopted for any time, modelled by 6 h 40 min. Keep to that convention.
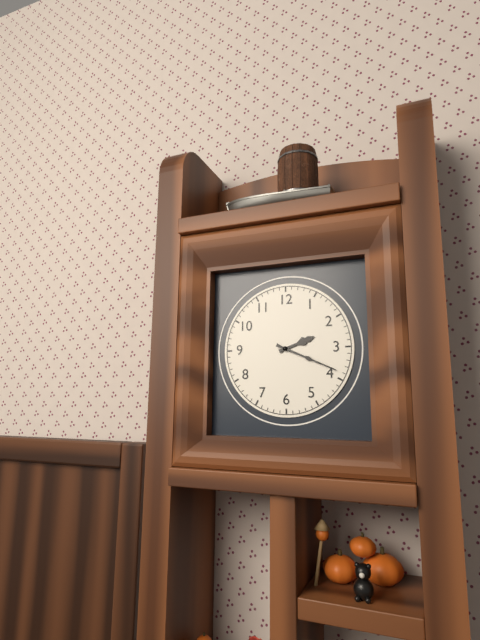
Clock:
2 h 19 min
